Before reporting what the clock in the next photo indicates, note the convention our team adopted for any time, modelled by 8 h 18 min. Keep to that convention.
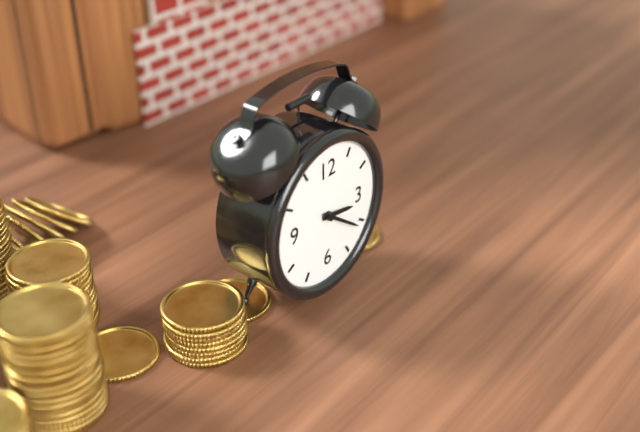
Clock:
3 h 21 min
